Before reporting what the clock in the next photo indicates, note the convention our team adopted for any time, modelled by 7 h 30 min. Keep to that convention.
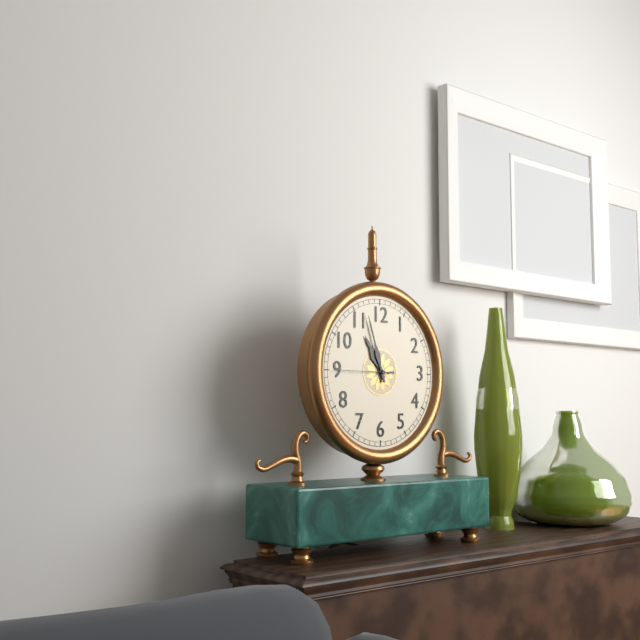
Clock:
10 h 57 min
